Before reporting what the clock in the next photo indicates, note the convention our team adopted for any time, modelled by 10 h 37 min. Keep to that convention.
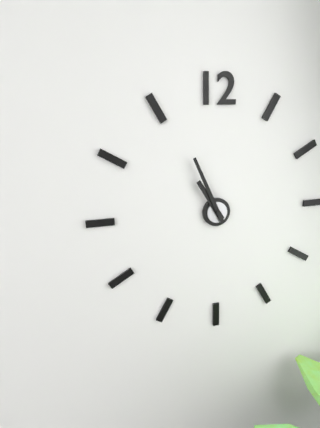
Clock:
10 h 56 min
